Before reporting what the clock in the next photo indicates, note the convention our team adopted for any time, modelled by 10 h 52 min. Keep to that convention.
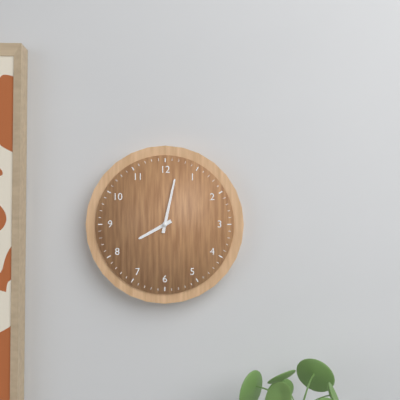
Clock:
8 h 02 min
